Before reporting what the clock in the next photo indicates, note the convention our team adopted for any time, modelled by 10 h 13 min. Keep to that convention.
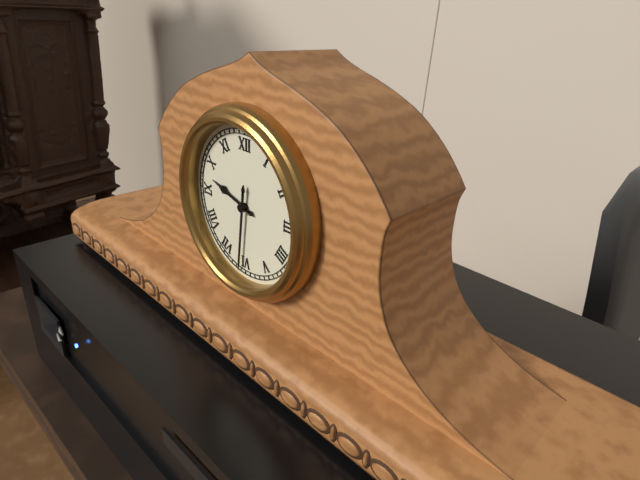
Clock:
9 h 31 min
